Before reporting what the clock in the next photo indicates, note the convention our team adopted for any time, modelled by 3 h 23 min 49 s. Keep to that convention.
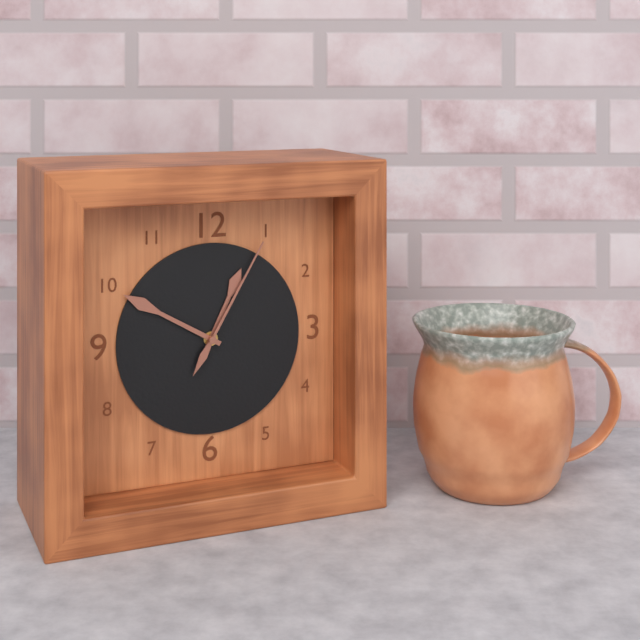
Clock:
12 h 50 min 05 s
